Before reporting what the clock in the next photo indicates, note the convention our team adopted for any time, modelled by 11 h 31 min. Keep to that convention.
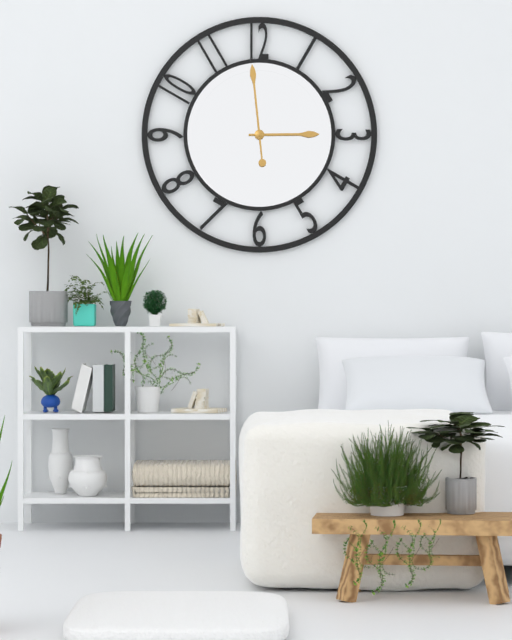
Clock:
2 h 59 min
